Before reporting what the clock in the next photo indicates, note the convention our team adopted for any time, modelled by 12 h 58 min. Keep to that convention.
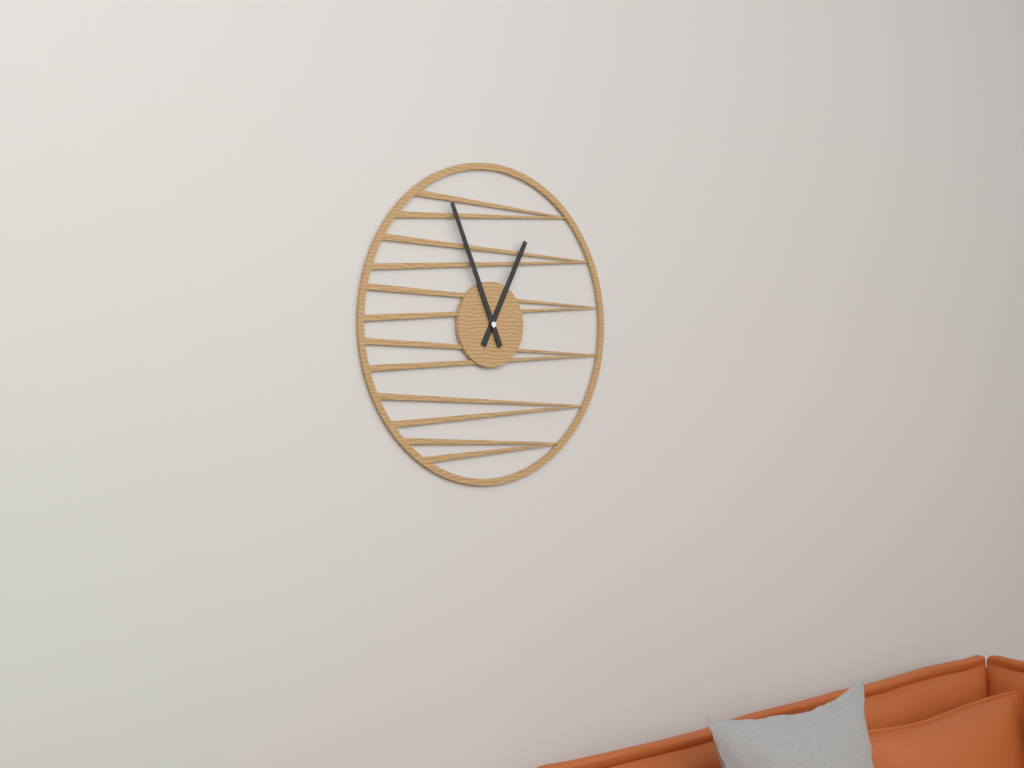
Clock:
12 h 56 min
